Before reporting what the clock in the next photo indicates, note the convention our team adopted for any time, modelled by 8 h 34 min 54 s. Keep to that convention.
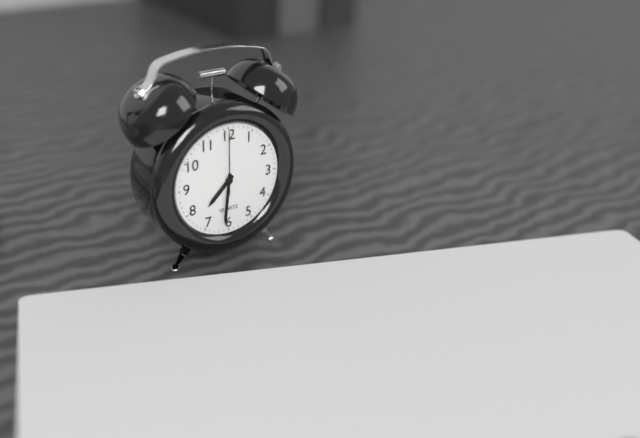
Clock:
7 h 31 min 00 s
